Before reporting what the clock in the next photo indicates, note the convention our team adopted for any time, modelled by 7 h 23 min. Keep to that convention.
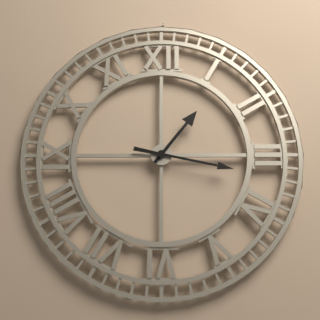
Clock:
1 h 17 min
